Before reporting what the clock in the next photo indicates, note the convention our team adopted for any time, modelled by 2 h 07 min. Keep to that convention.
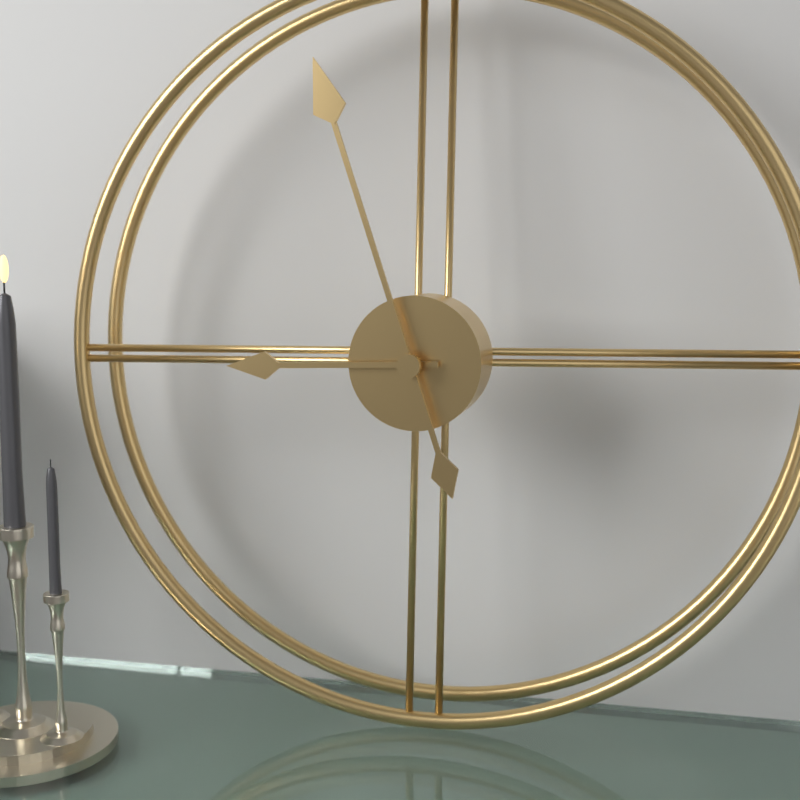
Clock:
8 h 57 min
